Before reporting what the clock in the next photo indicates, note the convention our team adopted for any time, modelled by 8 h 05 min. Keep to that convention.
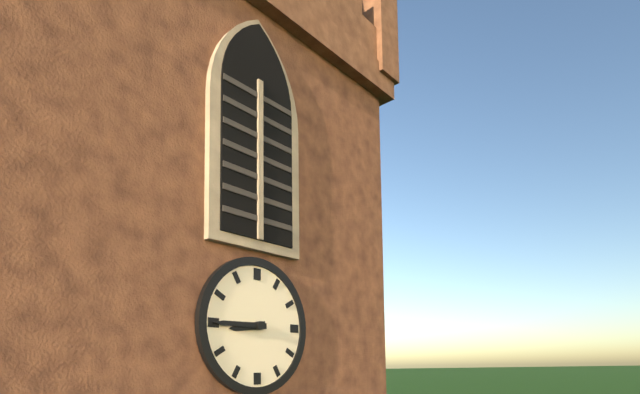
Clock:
8 h 45 min
